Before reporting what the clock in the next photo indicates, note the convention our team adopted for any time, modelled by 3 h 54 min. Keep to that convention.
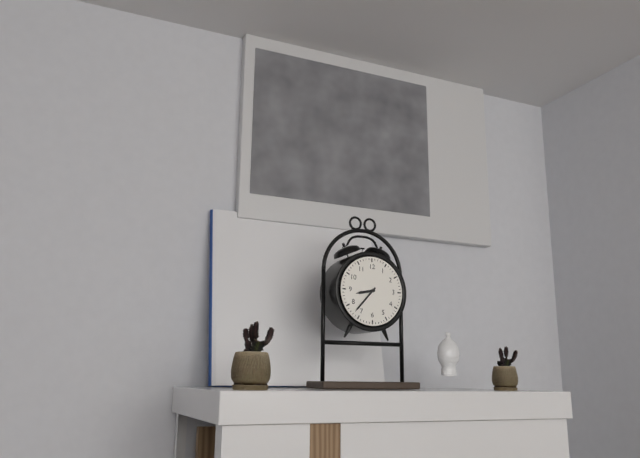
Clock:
8 h 37 min
